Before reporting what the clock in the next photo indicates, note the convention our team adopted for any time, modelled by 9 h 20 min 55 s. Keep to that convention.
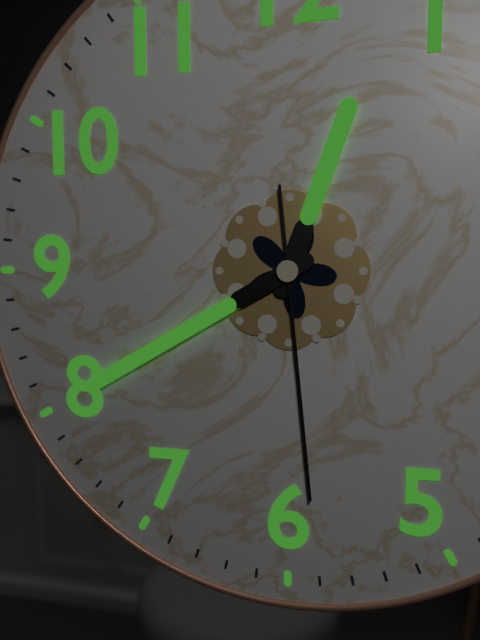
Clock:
12 h 40 min 29 s
